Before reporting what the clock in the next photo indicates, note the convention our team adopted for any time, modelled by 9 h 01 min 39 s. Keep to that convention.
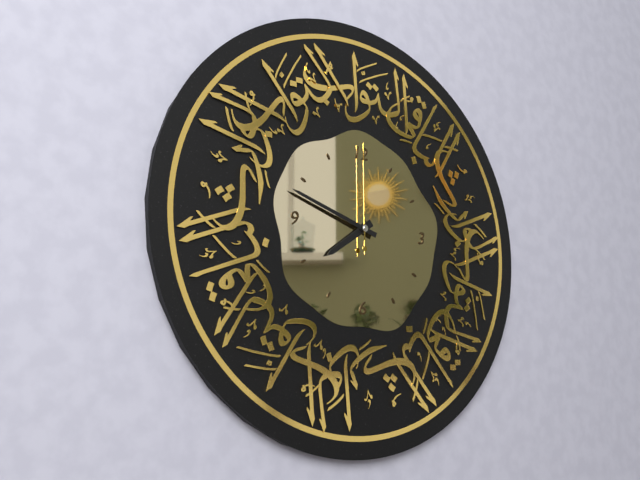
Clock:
7 h 48 min 00 s
